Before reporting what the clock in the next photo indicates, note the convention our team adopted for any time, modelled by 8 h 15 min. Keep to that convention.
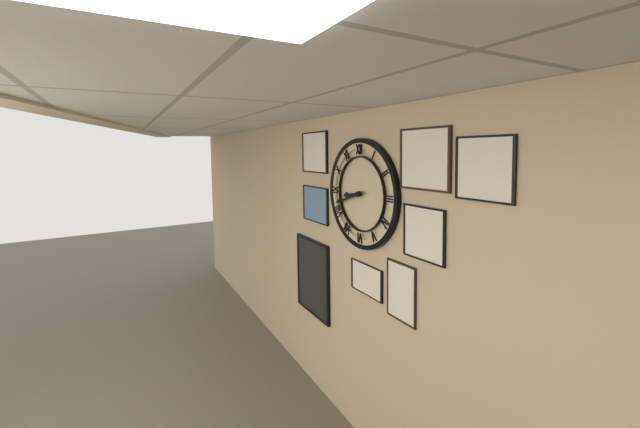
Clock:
8 h 42 min
